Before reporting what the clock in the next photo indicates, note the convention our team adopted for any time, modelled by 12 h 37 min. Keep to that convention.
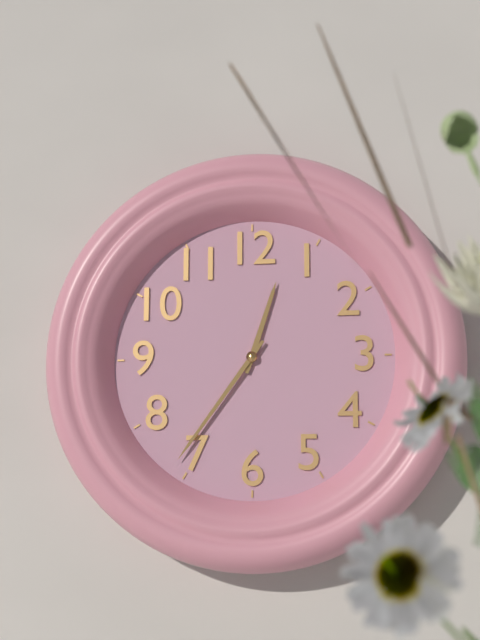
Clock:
12 h 36 min
